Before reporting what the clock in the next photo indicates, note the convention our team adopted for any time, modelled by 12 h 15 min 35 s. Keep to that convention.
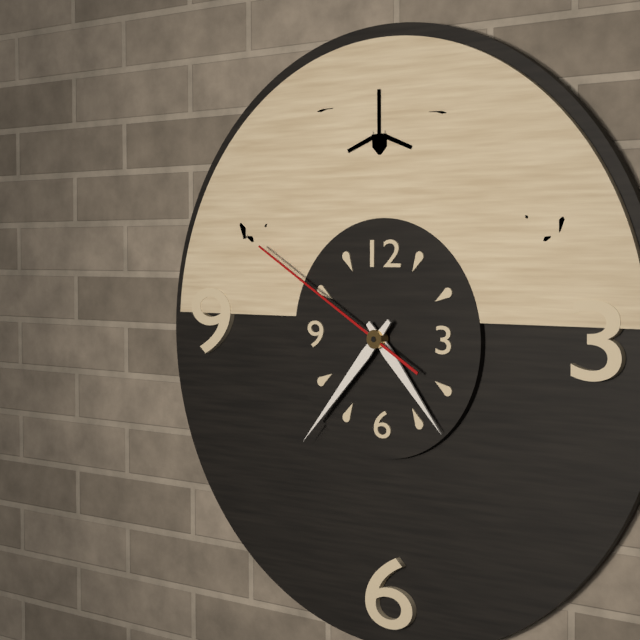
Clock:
4 h 37 min 50 s
